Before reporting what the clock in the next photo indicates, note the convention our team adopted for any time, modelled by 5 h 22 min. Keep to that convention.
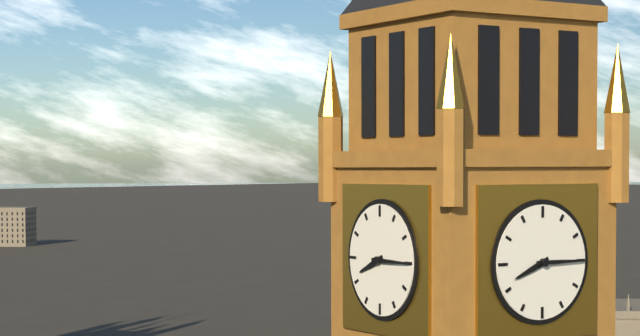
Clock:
8 h 15 min
